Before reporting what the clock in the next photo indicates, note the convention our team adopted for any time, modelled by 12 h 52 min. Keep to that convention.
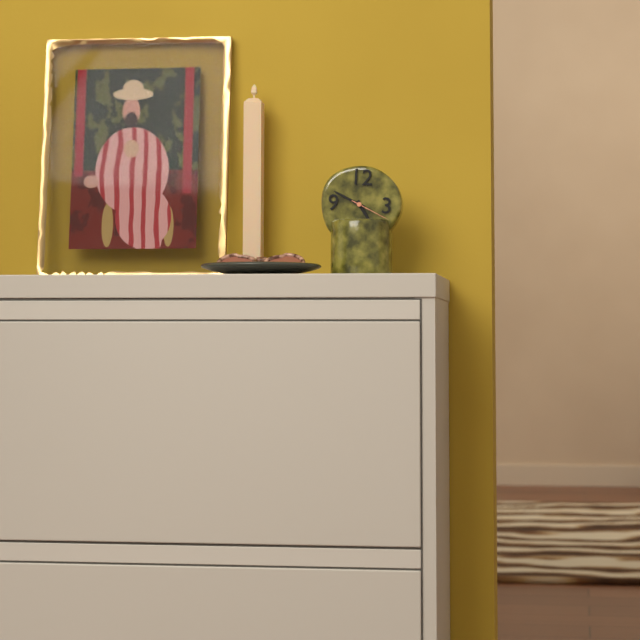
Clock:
4 h 49 min
